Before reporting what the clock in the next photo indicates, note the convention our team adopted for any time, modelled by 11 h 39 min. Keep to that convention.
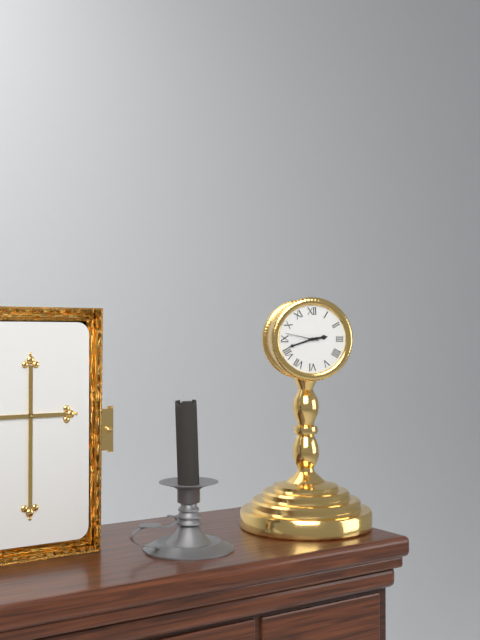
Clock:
2 h 42 min
